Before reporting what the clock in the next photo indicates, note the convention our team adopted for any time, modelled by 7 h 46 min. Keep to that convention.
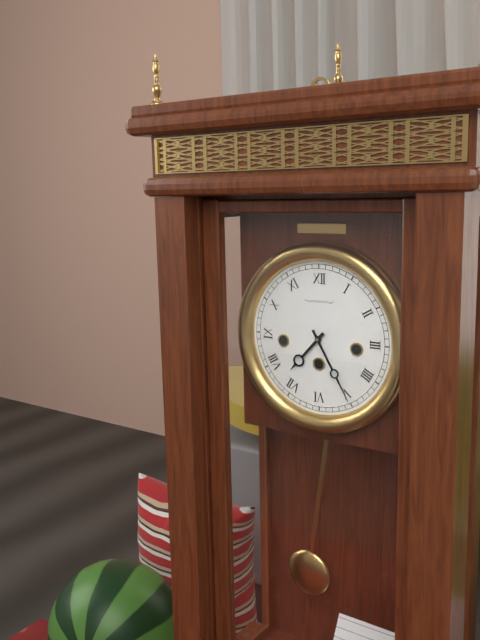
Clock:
7 h 25 min
